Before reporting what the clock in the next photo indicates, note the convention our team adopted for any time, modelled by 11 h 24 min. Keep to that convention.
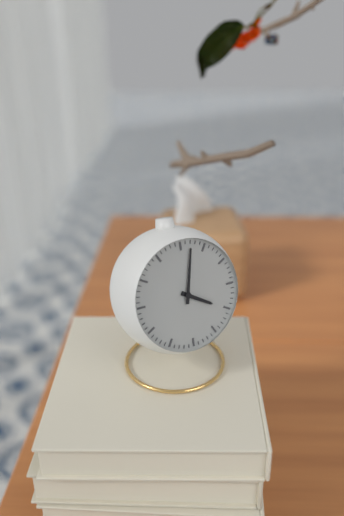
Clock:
4 h 02 min
